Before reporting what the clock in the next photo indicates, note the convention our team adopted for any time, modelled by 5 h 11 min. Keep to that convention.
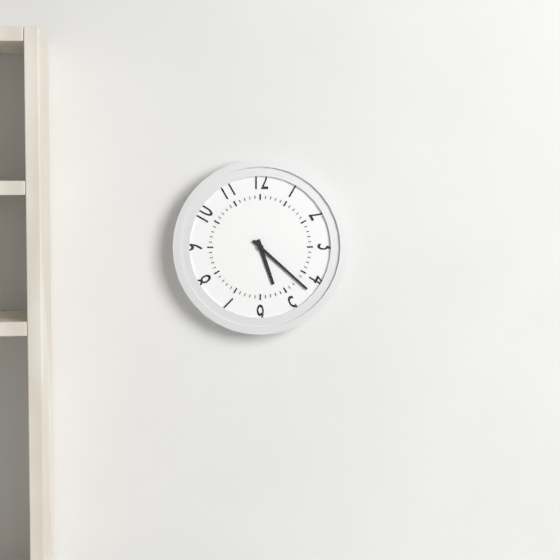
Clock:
5 h 22 min
